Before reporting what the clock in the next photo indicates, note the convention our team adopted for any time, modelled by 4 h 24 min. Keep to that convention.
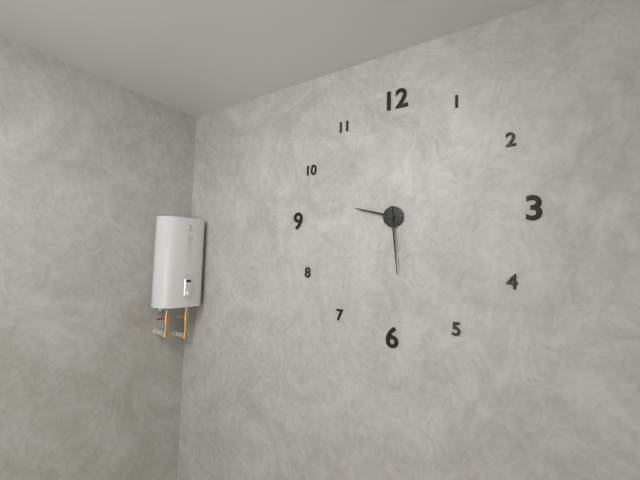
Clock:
9 h 29 min
